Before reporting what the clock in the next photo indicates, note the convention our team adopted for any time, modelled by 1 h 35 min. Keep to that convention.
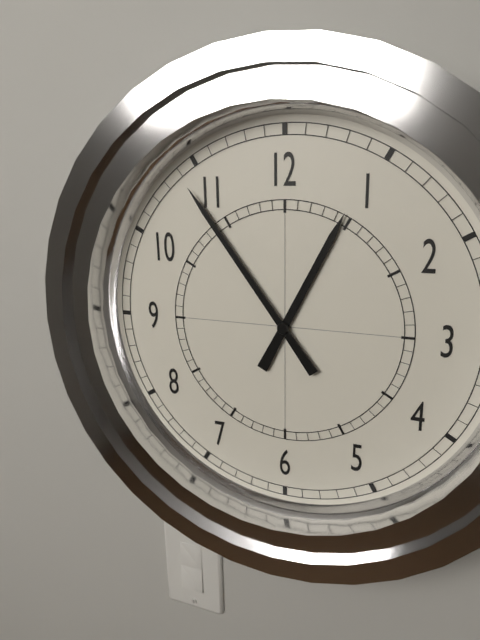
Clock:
12 h 54 min
